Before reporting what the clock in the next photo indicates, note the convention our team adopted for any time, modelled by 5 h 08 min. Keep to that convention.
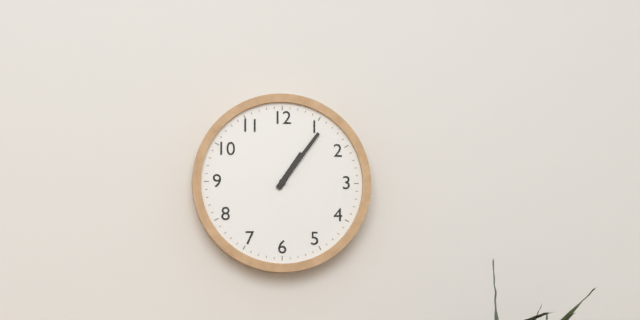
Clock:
1 h 06 min
